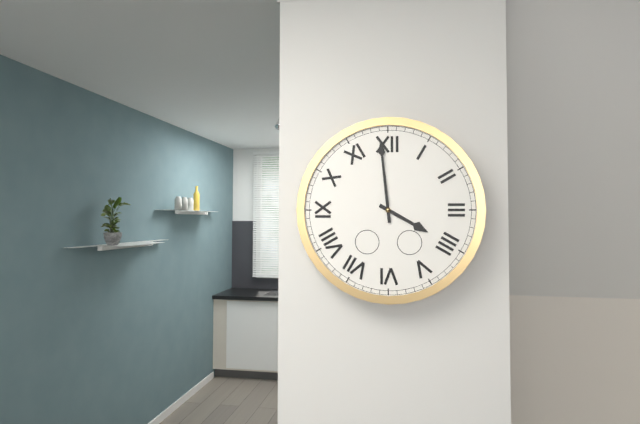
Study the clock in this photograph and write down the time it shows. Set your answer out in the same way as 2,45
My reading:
3,59
